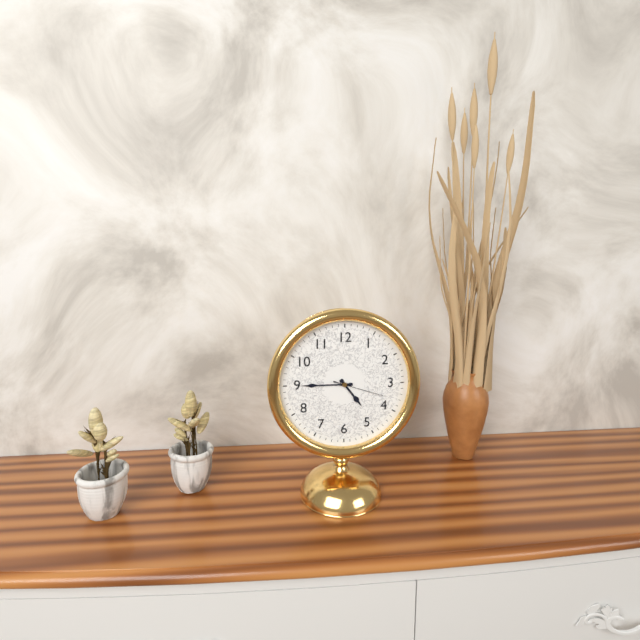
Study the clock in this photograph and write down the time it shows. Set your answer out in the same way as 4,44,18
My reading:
4,45,18
